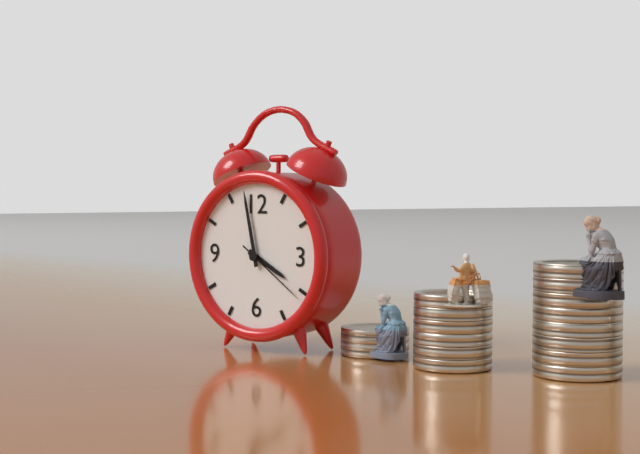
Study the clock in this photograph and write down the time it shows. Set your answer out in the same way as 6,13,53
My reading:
3,58,21
